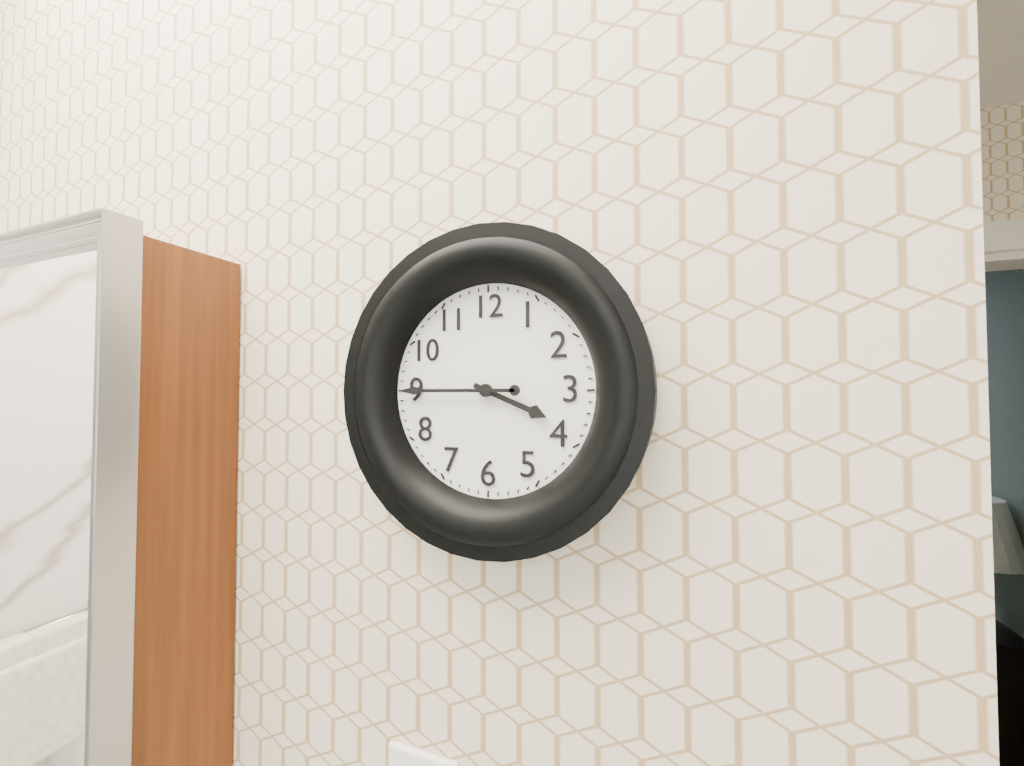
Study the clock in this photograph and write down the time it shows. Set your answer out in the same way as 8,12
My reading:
3,45
